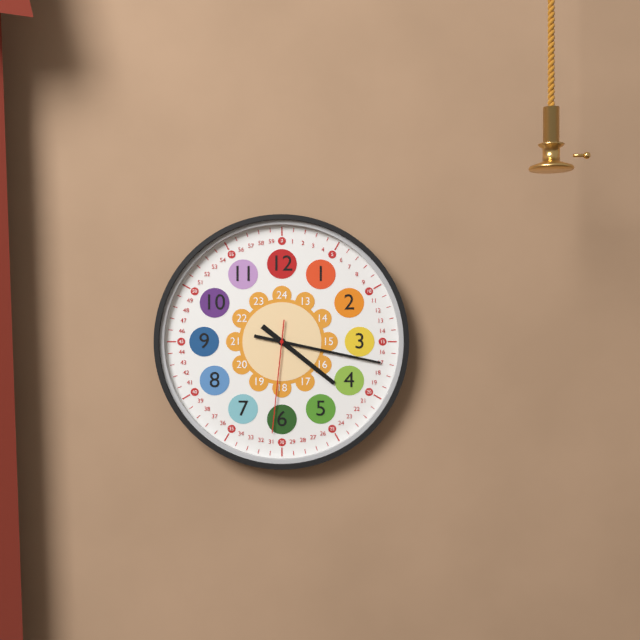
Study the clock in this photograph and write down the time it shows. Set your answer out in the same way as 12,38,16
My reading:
4,17,31
